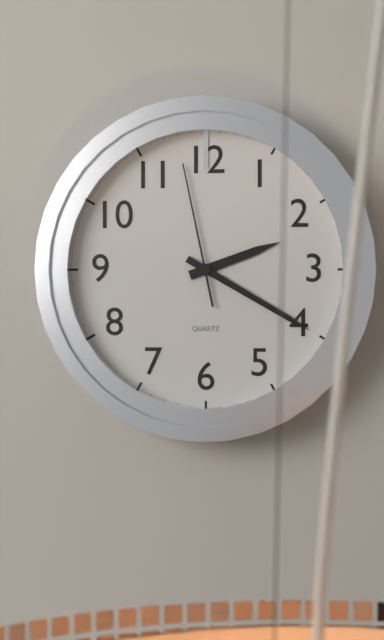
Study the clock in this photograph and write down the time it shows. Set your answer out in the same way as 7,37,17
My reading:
2,20,58
